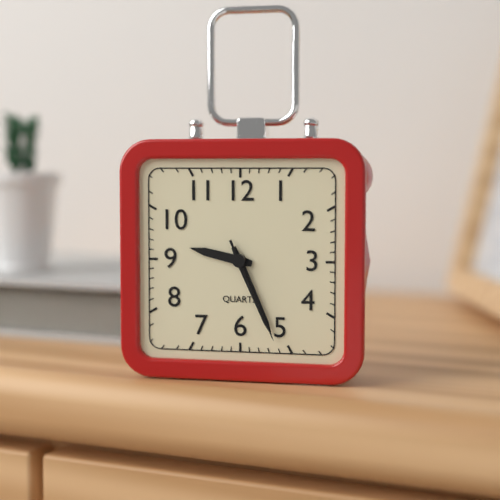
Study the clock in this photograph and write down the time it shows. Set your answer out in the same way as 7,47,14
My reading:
9,26,26
